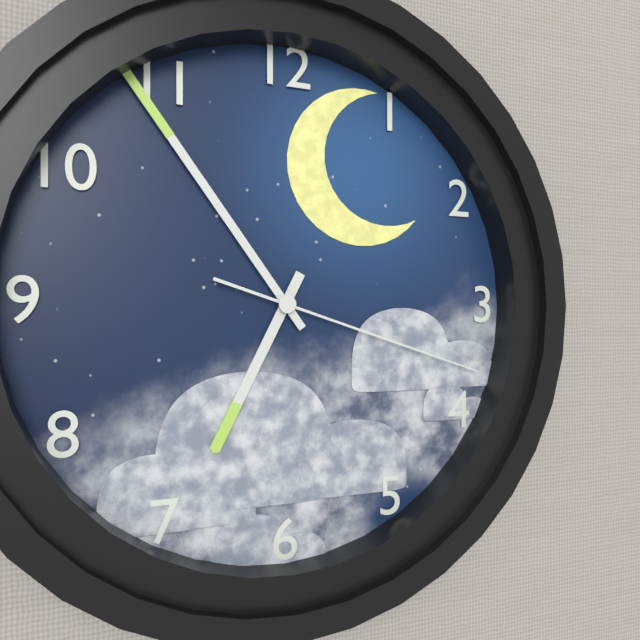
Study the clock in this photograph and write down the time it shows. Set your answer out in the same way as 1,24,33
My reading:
6,54,18
